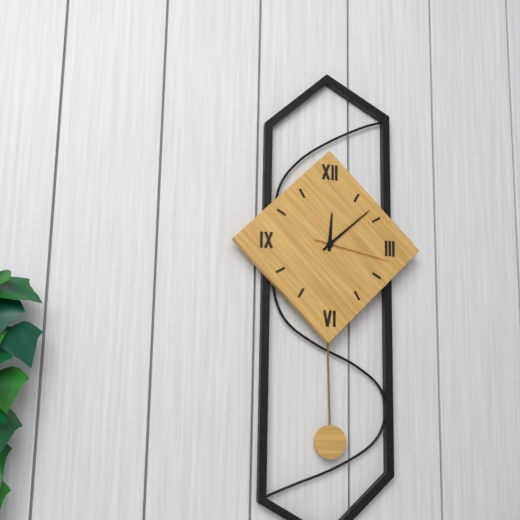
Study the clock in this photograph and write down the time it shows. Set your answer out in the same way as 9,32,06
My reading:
12,08,17
